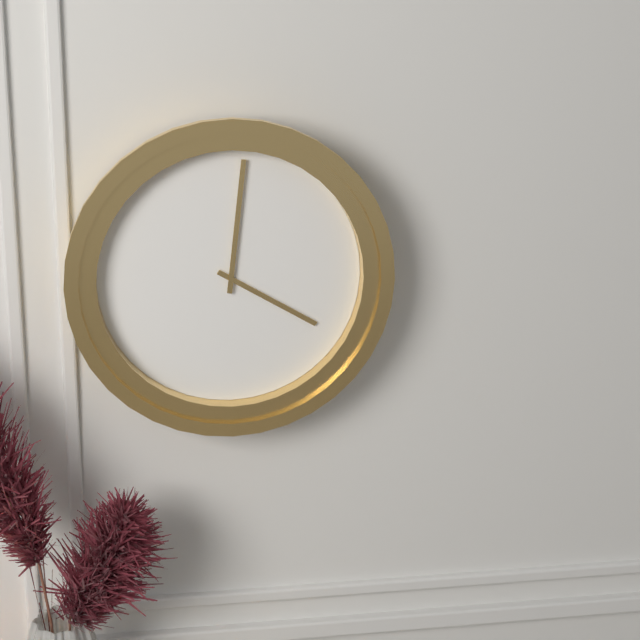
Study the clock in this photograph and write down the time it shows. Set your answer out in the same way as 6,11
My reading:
4,01
